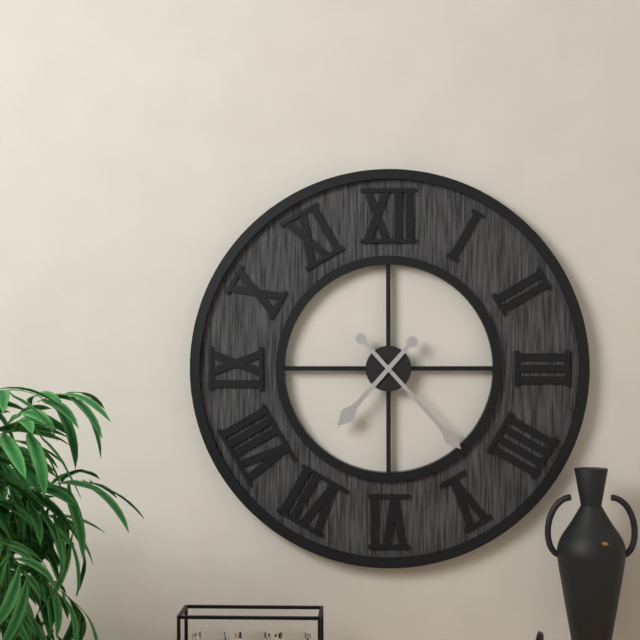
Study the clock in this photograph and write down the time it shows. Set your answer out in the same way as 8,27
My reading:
7,23
